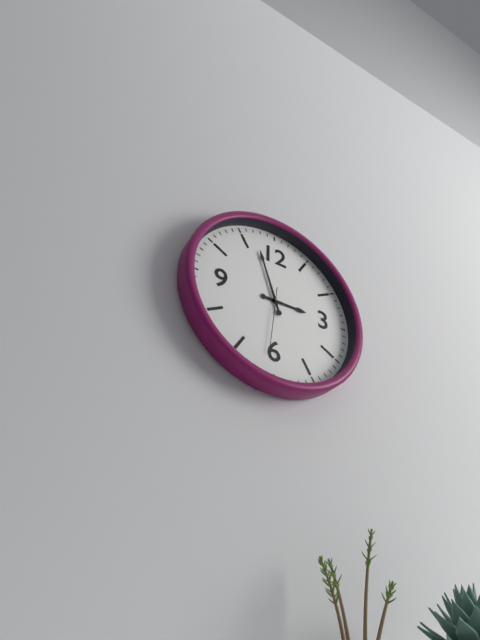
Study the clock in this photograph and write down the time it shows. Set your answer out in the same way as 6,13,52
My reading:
2,57,31
